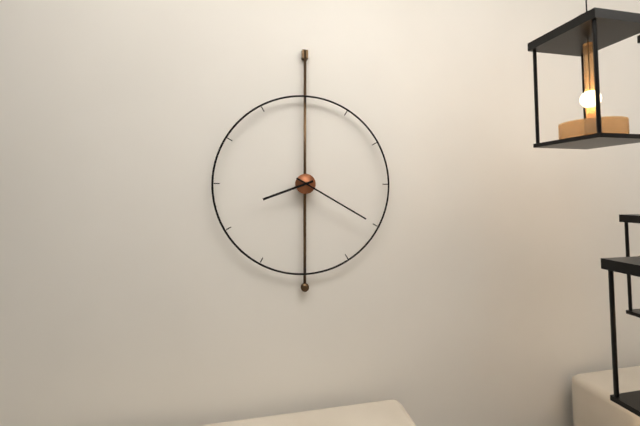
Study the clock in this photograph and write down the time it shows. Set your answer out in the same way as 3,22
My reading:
8,20
